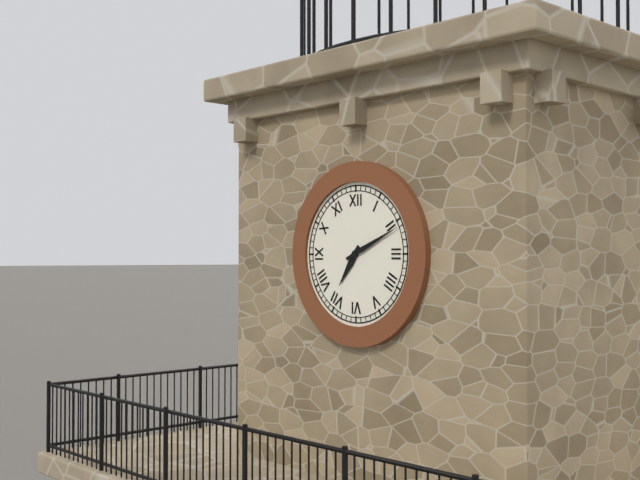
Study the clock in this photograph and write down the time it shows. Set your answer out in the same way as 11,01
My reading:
7,11
